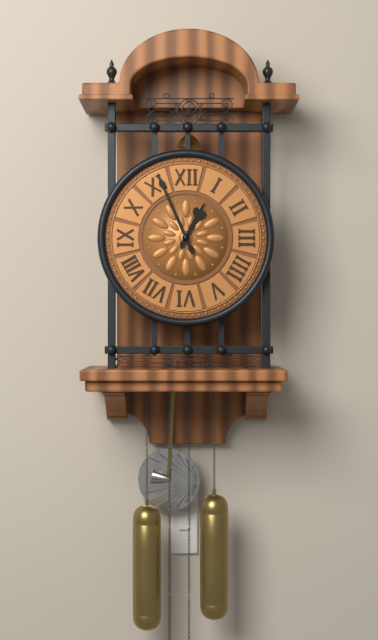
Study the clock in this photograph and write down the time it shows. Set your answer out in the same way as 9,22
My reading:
12,56
